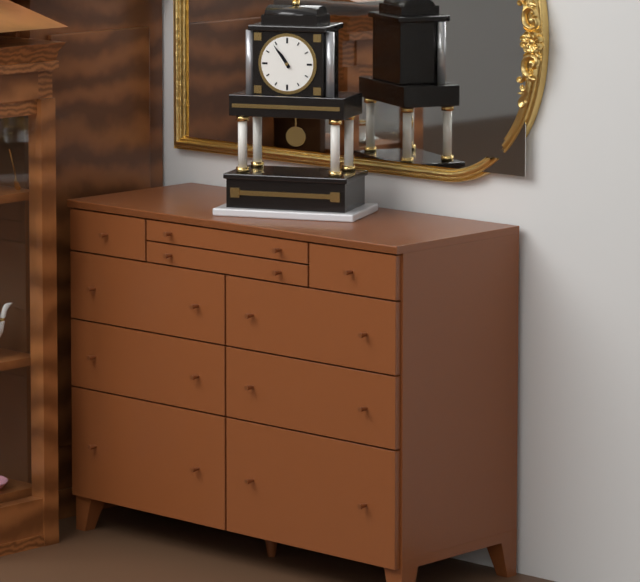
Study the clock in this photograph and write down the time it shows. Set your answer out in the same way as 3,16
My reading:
10,54
